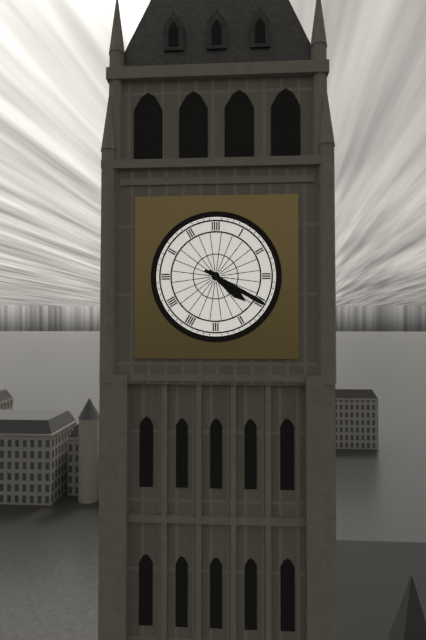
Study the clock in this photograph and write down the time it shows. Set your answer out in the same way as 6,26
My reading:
4,20
